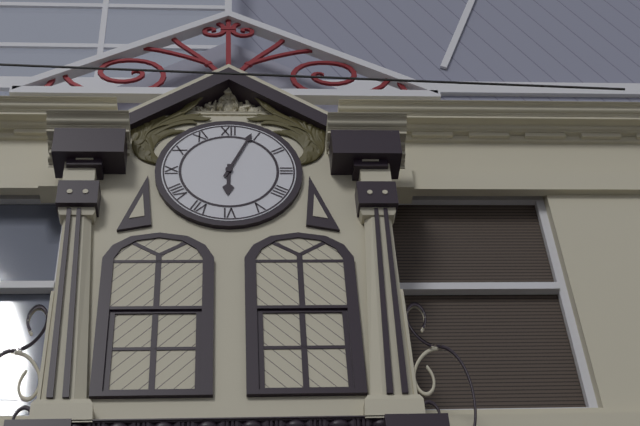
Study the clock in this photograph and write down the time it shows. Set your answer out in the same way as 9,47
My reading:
6,04
